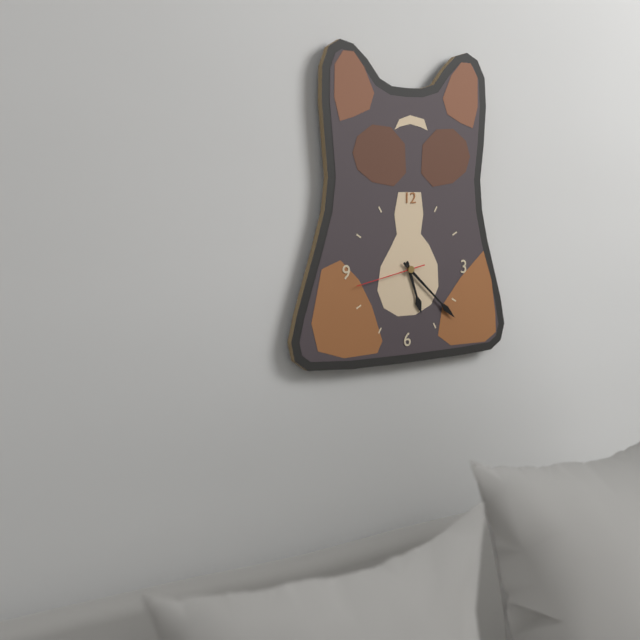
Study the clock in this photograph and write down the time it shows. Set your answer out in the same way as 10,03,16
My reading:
5,22,43
